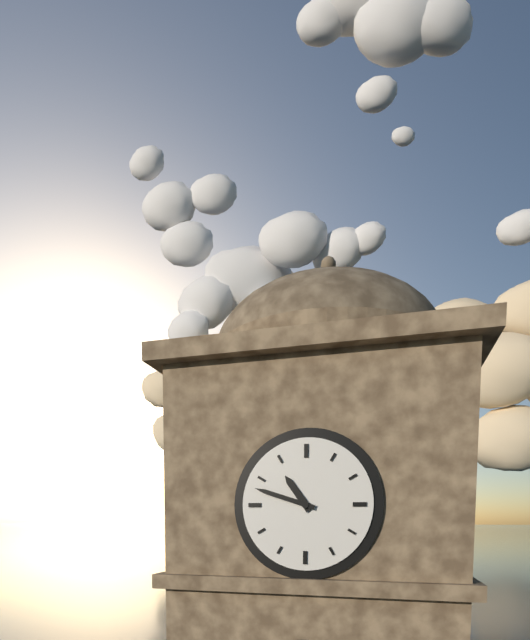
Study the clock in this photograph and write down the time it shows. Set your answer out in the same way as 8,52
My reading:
10,48
